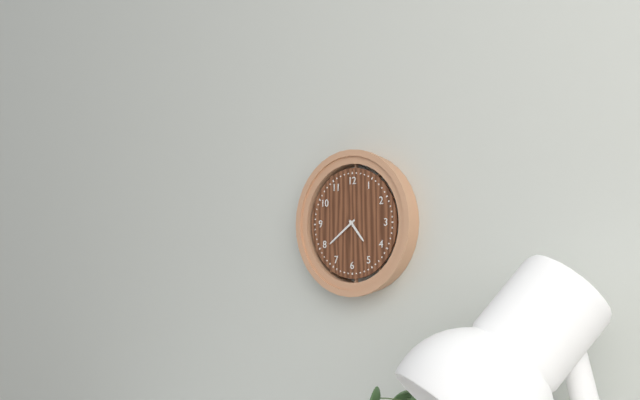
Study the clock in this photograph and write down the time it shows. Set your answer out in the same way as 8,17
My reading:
4,39
